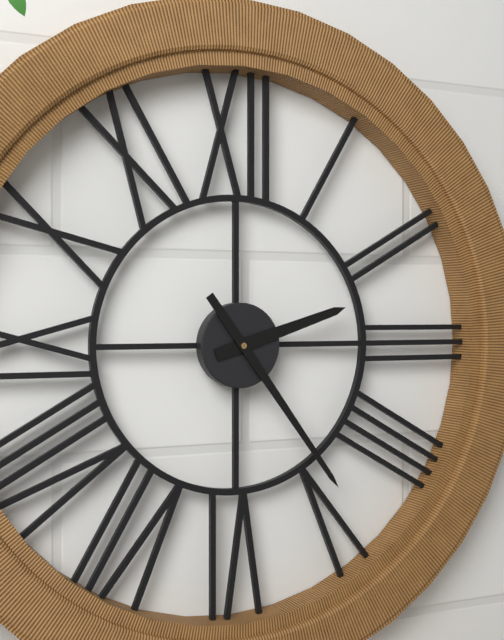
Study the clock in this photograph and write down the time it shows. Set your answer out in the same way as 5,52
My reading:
2,24
